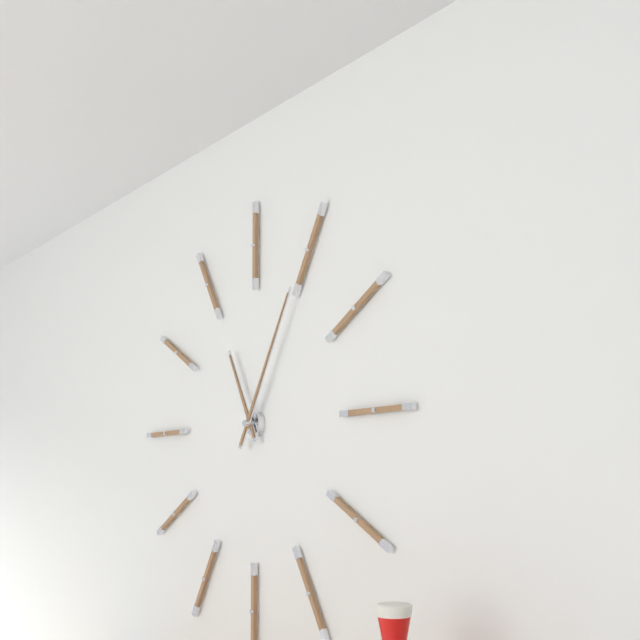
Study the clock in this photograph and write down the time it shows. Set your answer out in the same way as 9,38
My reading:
11,05
